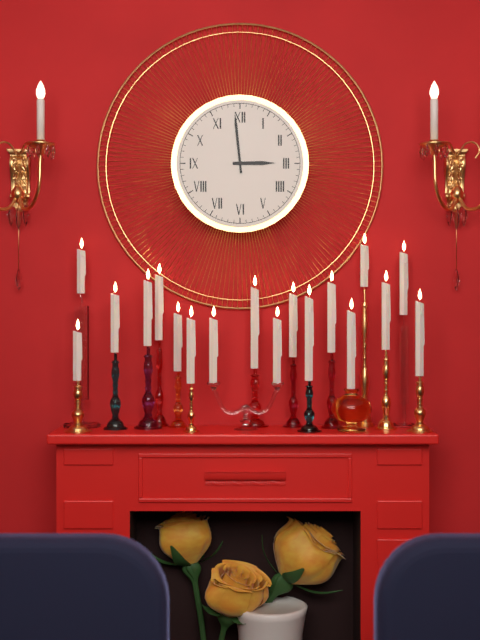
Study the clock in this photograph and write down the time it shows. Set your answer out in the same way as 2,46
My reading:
2,59
